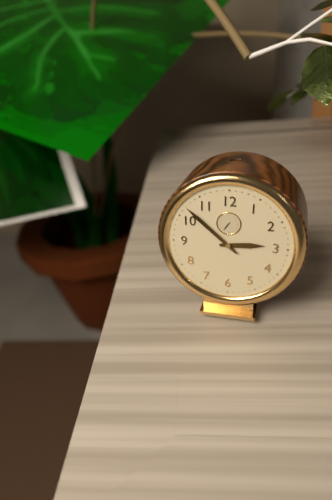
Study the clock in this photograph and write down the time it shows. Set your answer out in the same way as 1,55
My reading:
2,52
